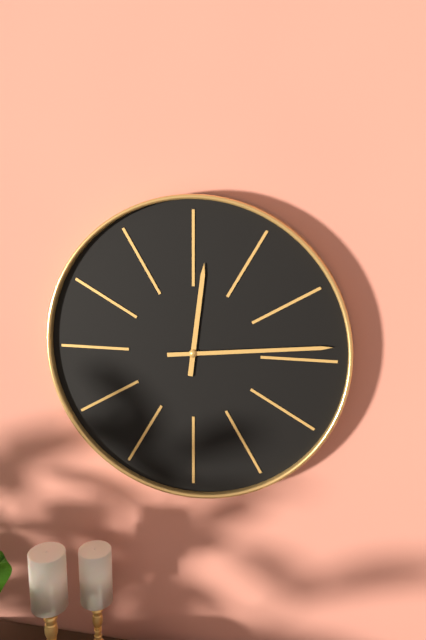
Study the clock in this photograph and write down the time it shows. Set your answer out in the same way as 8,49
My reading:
12,14
